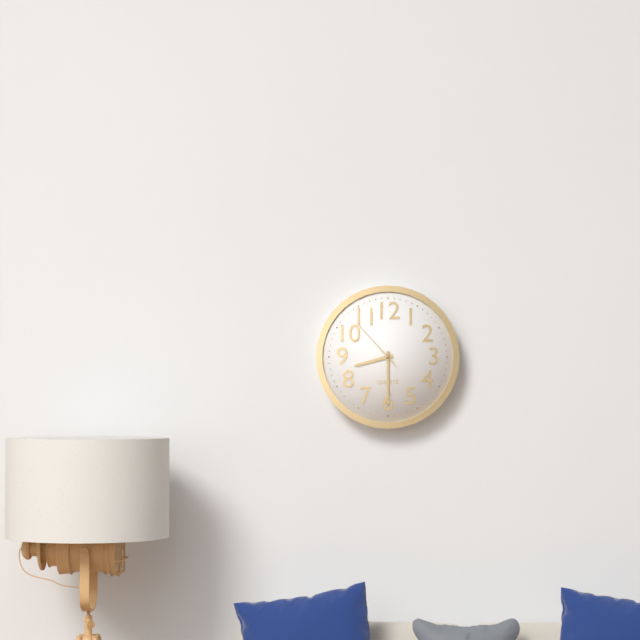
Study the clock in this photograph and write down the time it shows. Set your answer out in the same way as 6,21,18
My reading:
8,30,53
